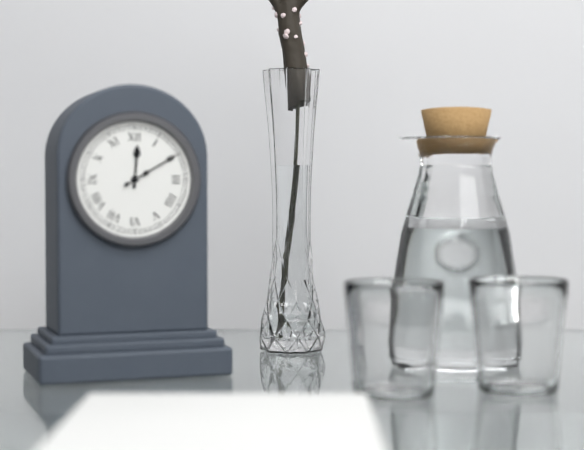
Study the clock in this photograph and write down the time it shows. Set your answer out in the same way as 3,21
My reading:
12,10
